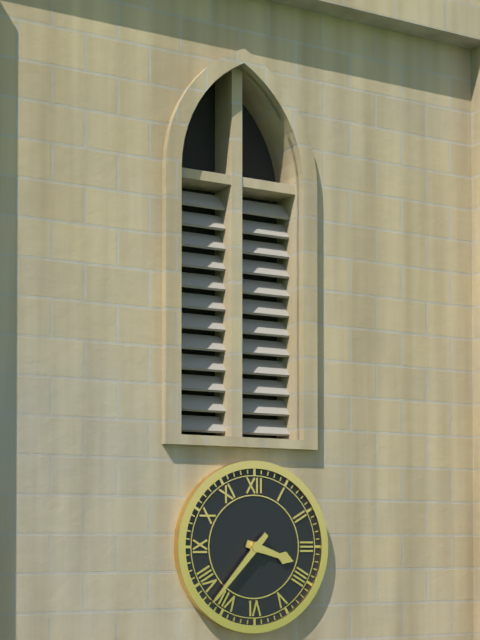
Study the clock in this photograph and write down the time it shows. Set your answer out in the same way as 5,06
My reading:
3,37
